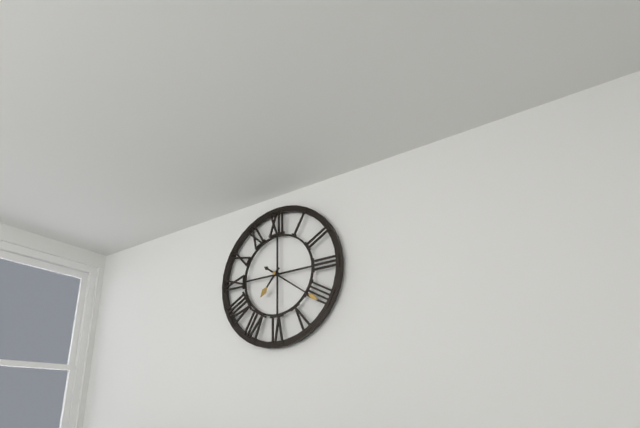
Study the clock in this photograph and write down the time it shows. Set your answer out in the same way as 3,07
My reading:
7,21
